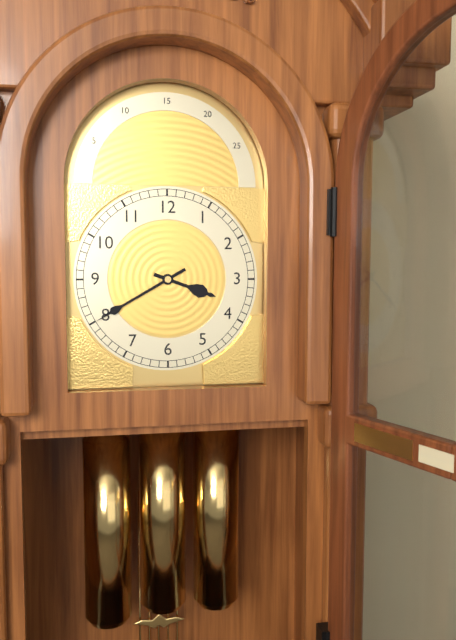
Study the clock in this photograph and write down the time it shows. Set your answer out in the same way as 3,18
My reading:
3,40
